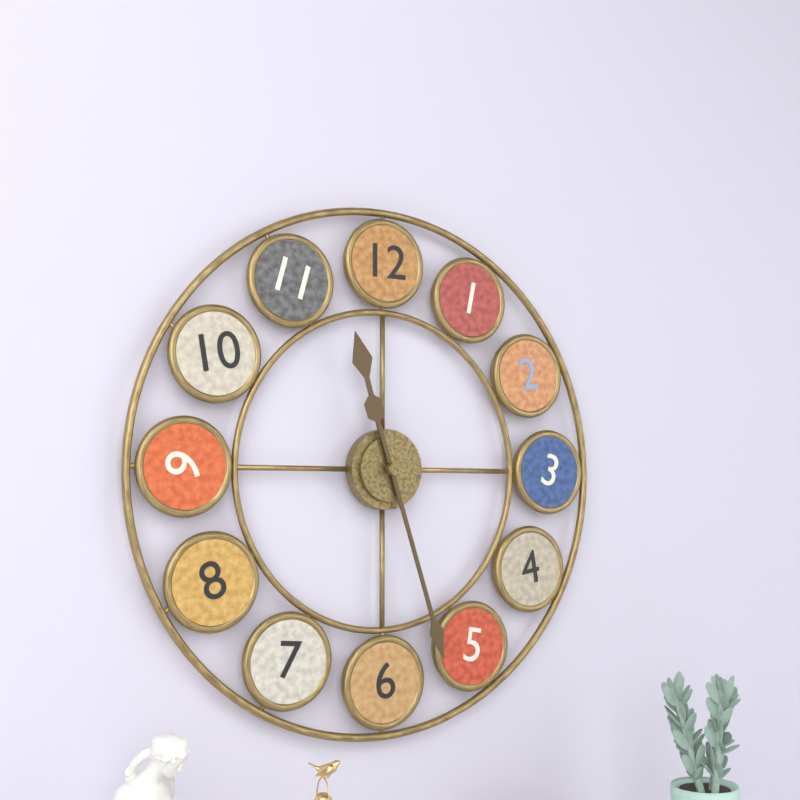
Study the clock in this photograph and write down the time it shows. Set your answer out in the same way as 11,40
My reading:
11,27
